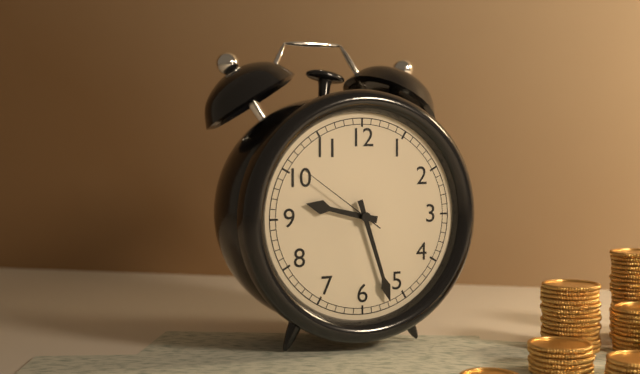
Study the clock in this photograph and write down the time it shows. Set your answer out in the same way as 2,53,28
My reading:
9,27,51
